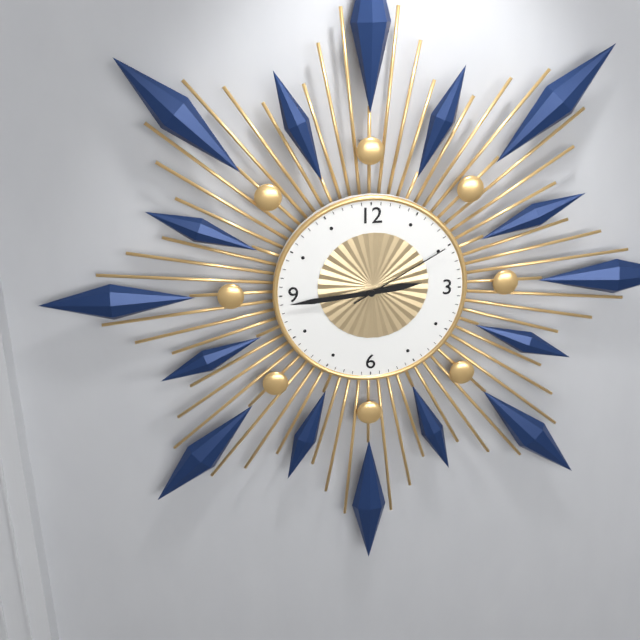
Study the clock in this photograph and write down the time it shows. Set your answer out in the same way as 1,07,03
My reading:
2,44,10
